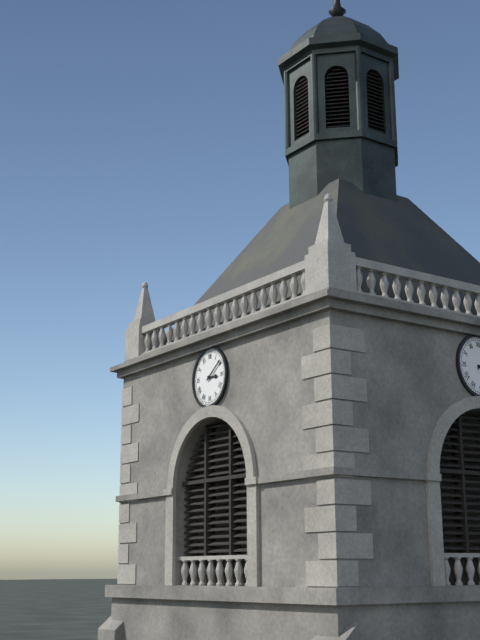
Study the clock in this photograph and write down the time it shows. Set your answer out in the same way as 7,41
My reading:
3,09
